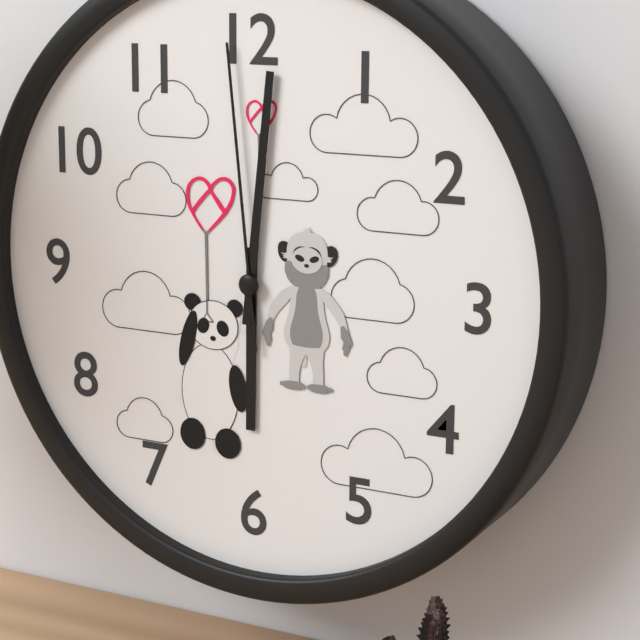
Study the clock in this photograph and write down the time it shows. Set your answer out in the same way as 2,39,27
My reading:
6,01,59
